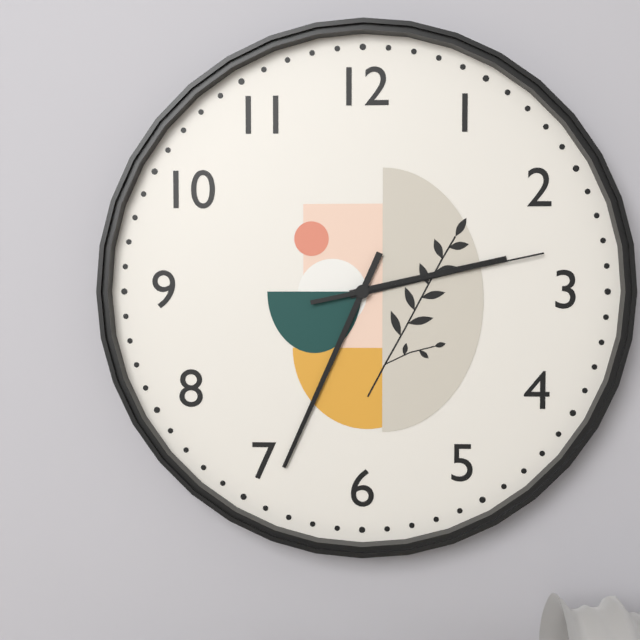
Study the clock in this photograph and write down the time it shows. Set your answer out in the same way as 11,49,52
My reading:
2,34,13
